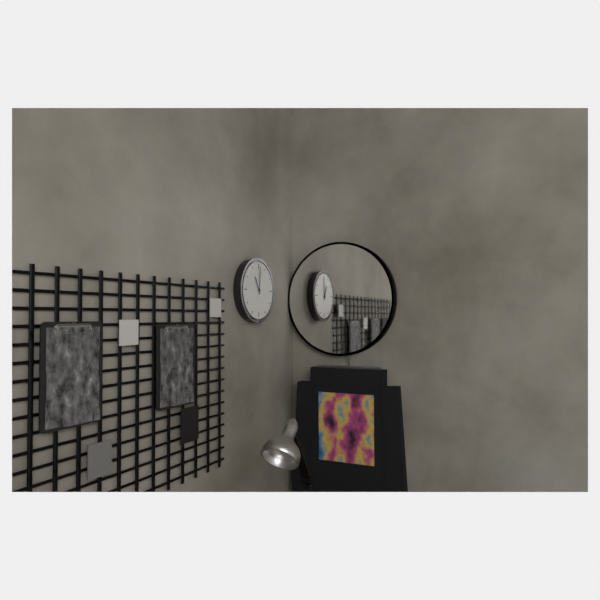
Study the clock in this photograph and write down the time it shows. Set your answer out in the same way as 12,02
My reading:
11,01
